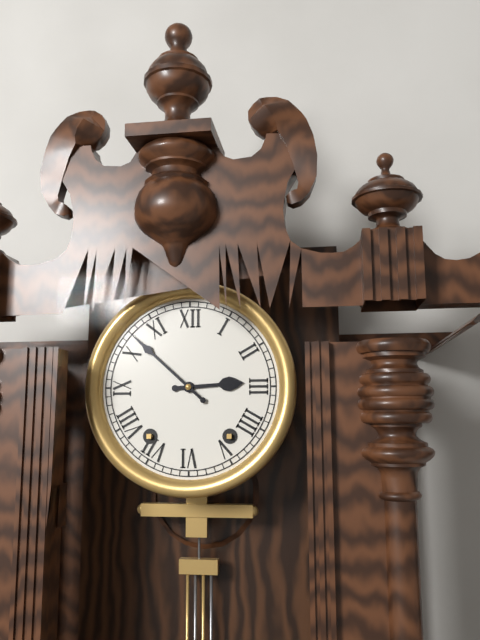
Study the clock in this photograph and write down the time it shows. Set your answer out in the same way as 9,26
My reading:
2,52
